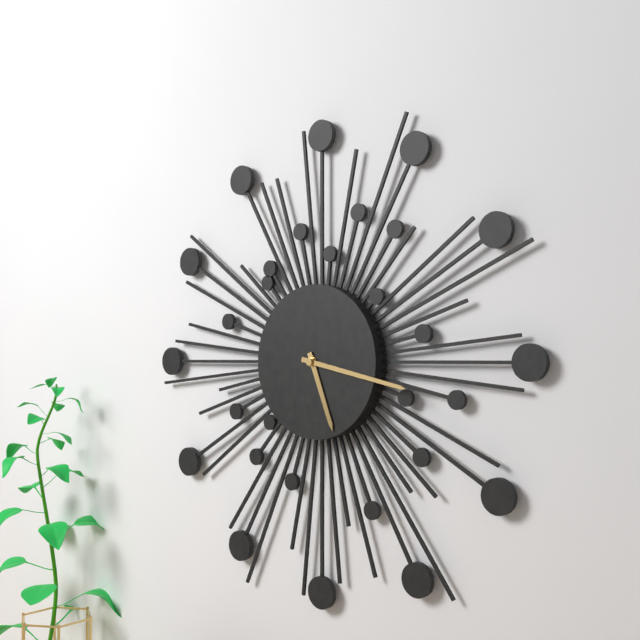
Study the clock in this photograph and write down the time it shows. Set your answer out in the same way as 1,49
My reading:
5,17
